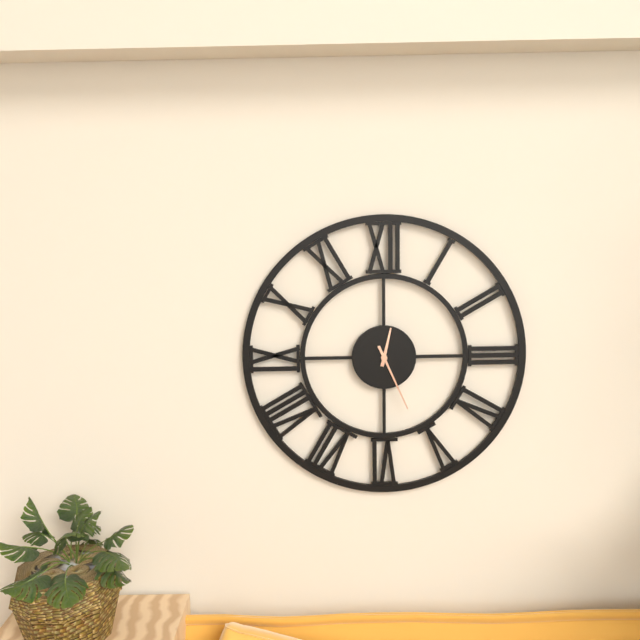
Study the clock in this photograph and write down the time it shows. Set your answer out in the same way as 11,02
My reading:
12,26
